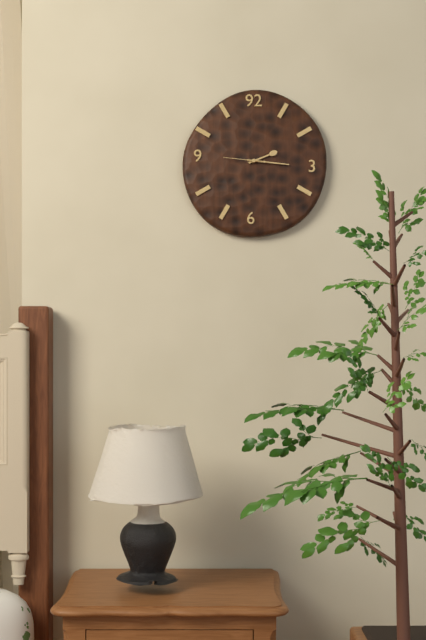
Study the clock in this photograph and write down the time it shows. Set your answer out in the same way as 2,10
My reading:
2,16
